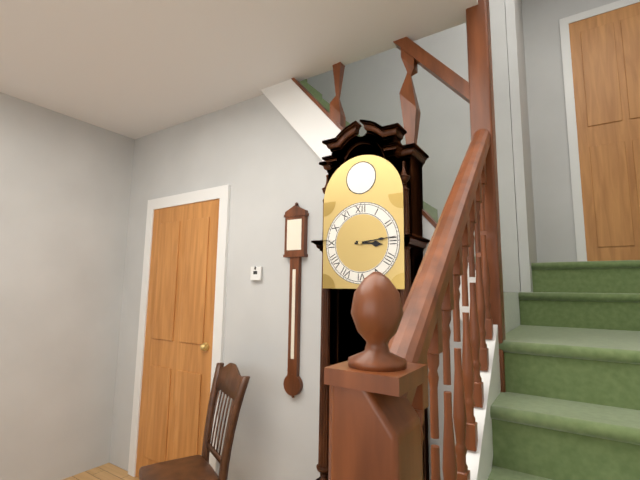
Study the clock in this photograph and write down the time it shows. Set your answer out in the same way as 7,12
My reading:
3,14
